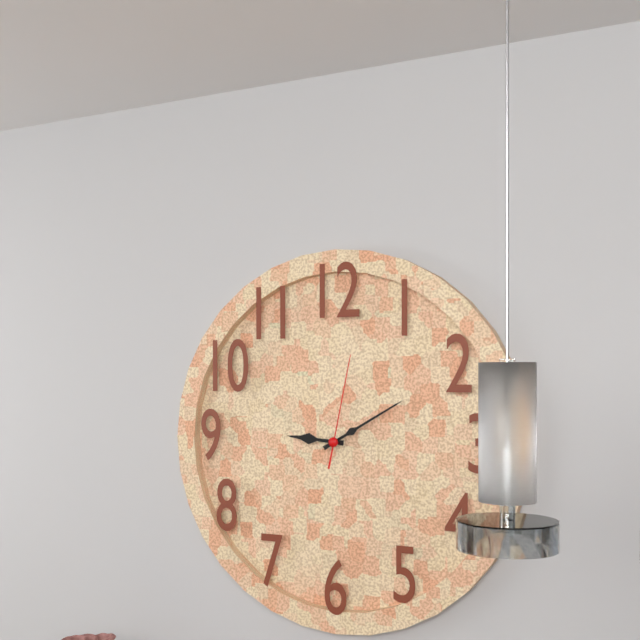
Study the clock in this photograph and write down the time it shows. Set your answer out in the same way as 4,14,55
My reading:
9,10,02
